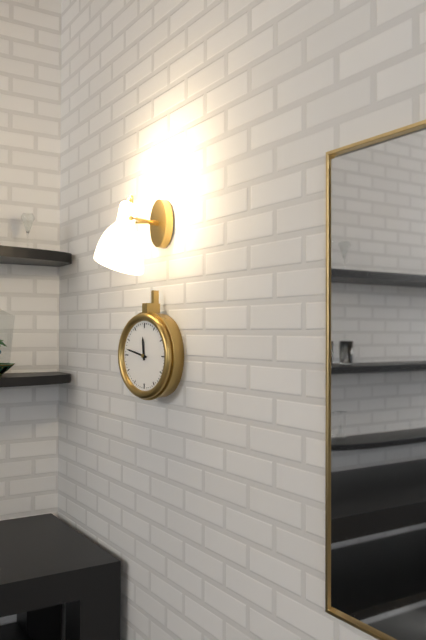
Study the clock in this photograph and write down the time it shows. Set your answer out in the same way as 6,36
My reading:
11,47
